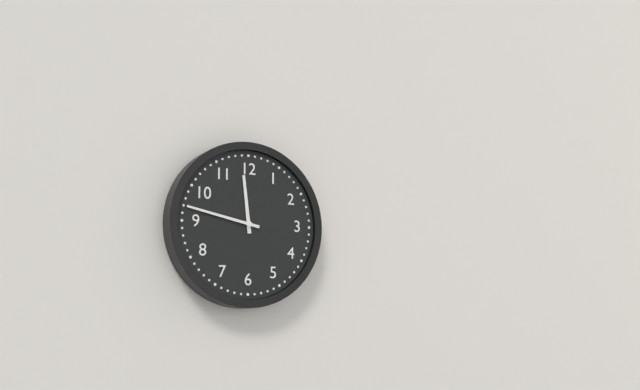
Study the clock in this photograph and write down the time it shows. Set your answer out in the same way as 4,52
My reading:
11,47
